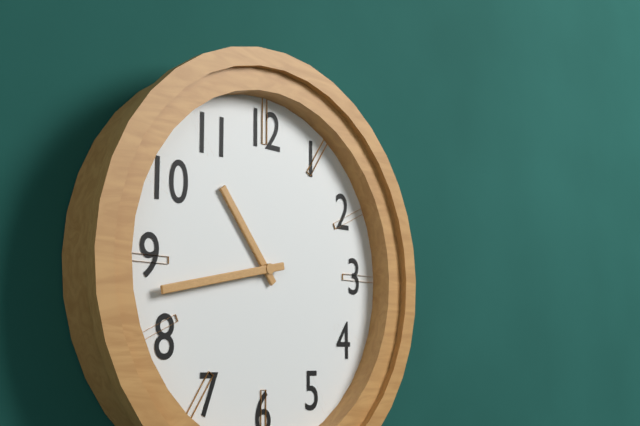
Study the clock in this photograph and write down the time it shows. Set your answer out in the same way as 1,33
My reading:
10,43
